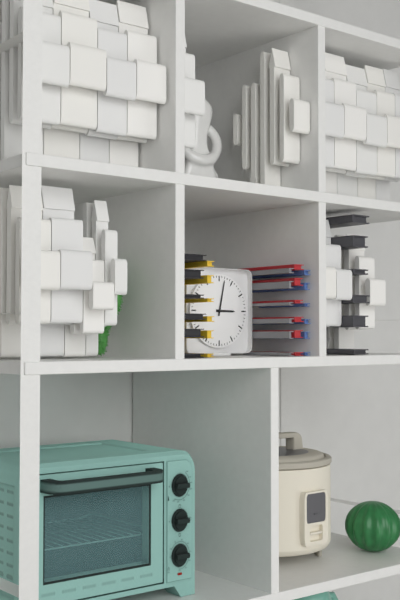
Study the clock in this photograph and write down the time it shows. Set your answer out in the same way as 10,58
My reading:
3,02
